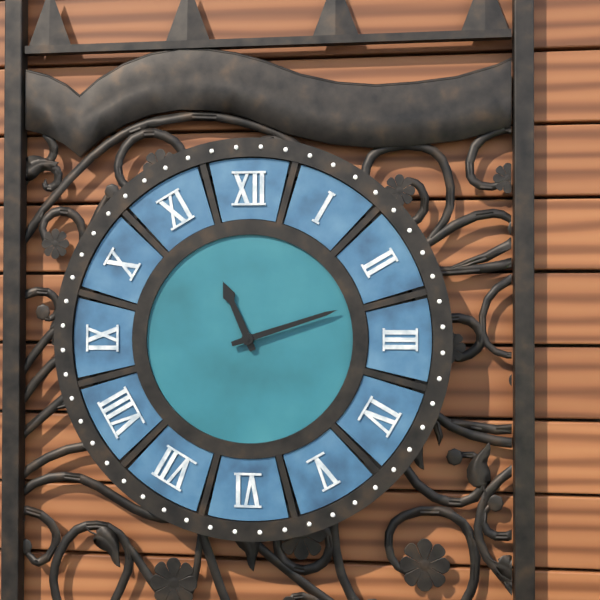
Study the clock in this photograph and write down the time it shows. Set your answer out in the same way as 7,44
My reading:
11,12
